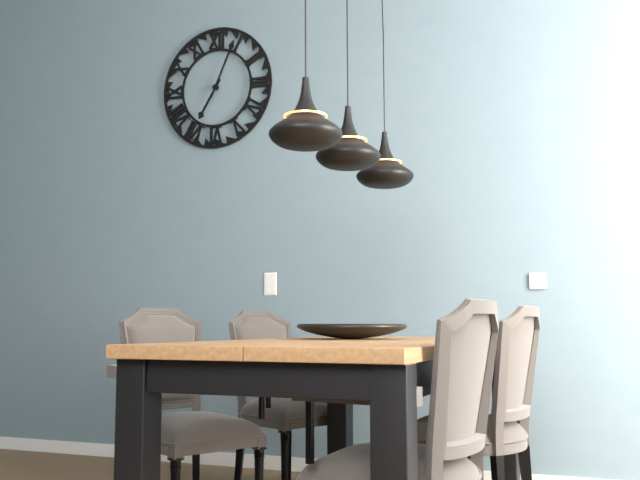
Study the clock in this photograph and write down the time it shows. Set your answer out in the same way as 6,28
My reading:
7,04
